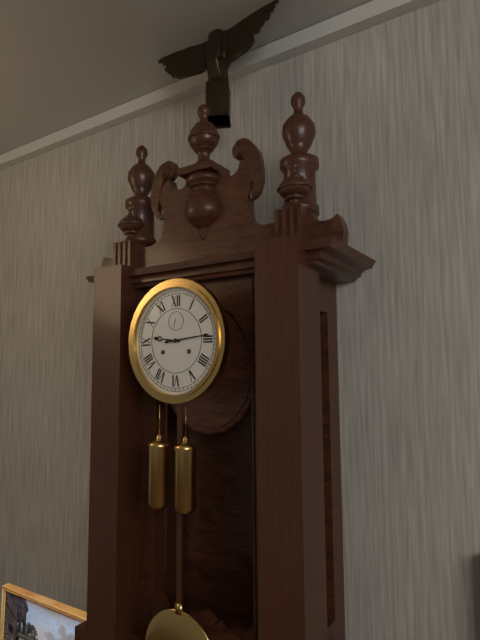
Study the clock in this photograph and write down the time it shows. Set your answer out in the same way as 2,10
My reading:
9,14
